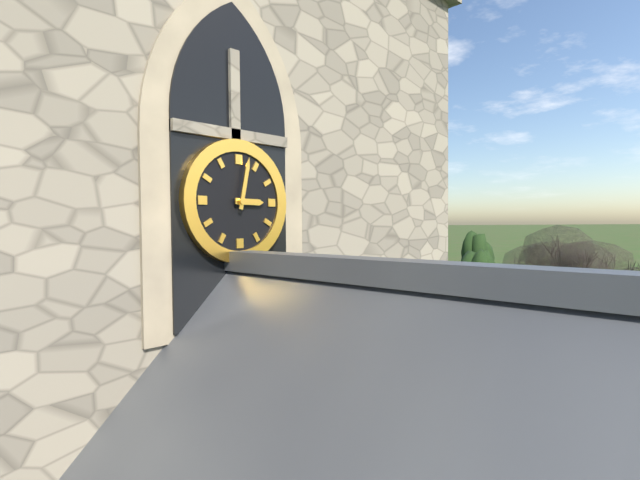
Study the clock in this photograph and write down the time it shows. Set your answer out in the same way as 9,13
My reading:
3,02
